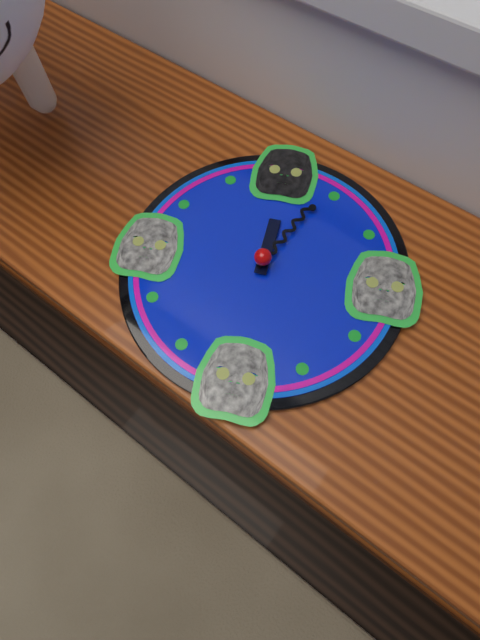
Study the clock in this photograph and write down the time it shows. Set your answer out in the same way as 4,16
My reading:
12,04
